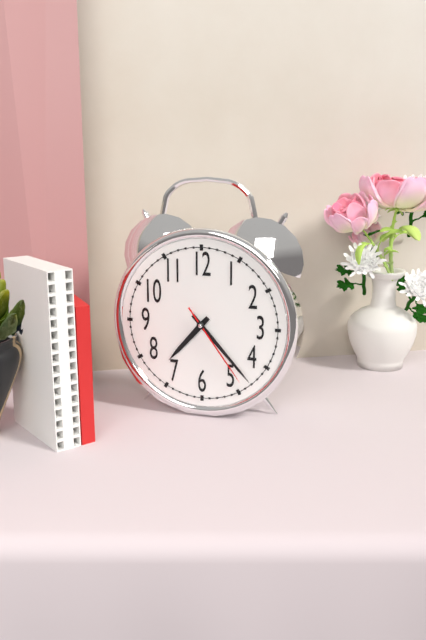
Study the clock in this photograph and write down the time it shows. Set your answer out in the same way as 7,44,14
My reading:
7,23,24
